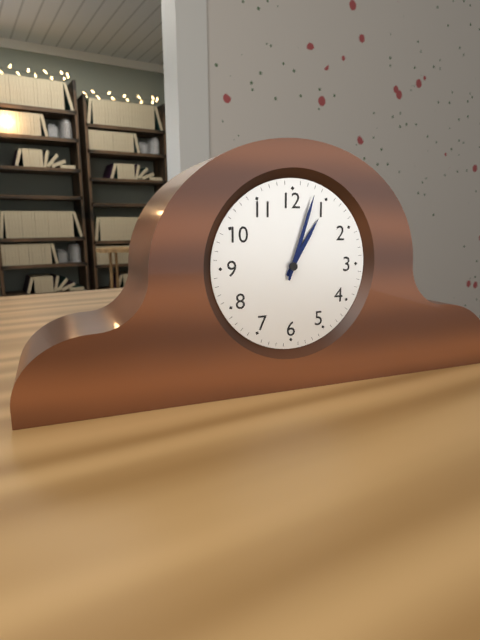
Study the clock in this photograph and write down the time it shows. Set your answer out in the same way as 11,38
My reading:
1,03
